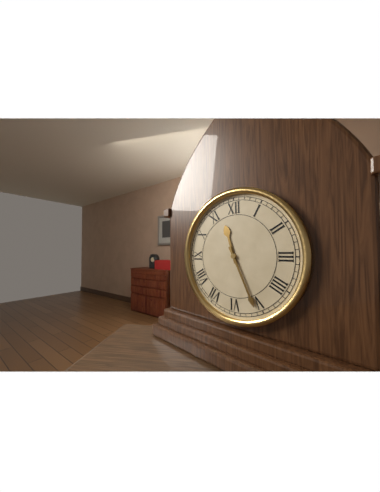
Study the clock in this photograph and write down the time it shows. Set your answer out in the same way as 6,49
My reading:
11,26
